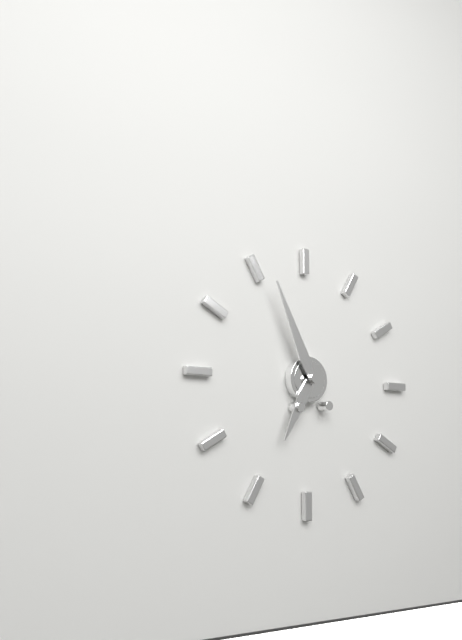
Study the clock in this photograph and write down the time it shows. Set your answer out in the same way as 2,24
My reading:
6,56
